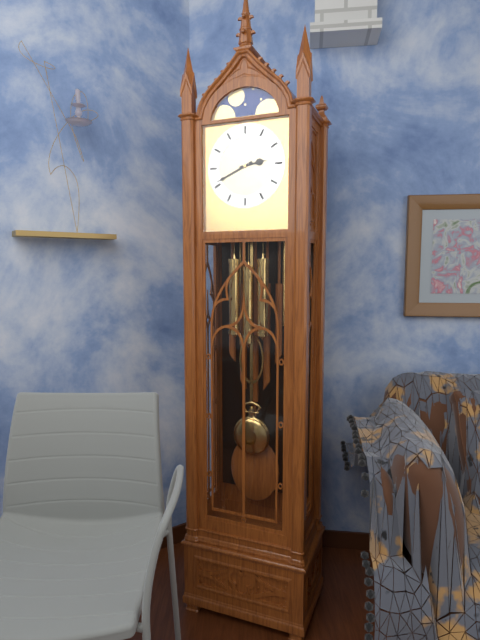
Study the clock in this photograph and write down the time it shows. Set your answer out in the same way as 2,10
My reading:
2,41
